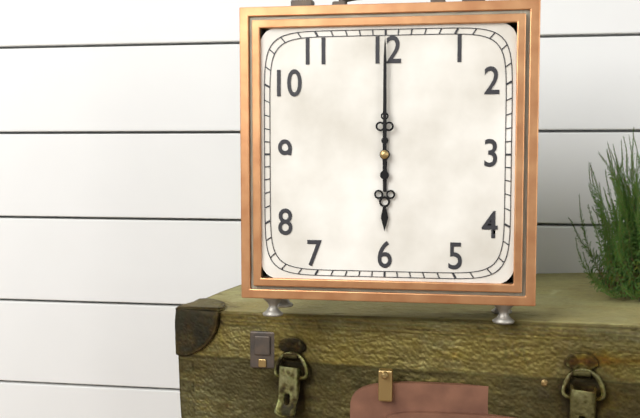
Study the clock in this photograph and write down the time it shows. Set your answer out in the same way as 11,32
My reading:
6,00
